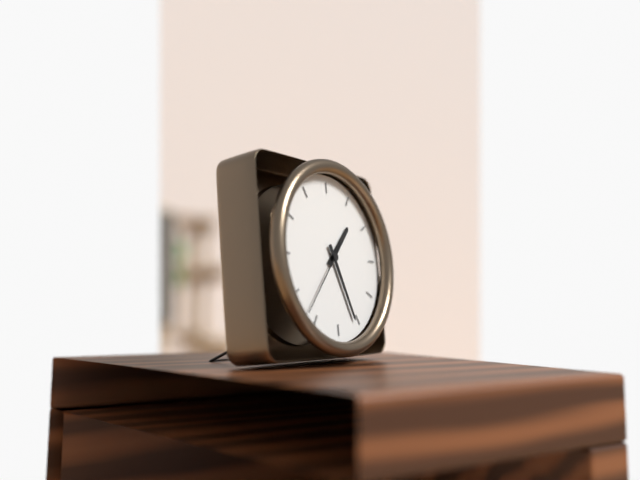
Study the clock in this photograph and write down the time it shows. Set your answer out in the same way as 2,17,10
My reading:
1,26,37
